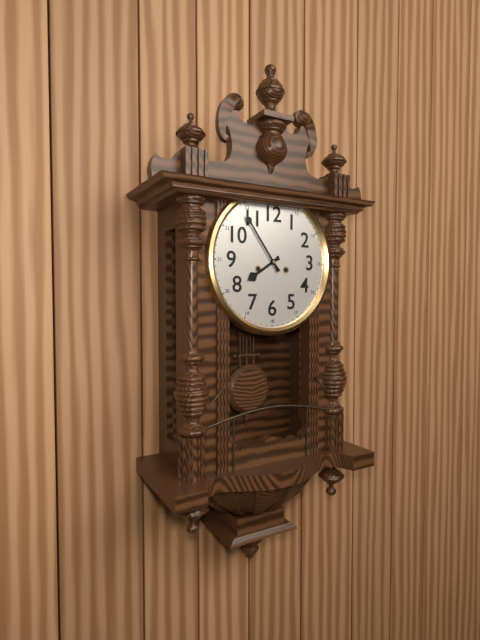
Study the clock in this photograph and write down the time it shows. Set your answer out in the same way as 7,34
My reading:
7,54
